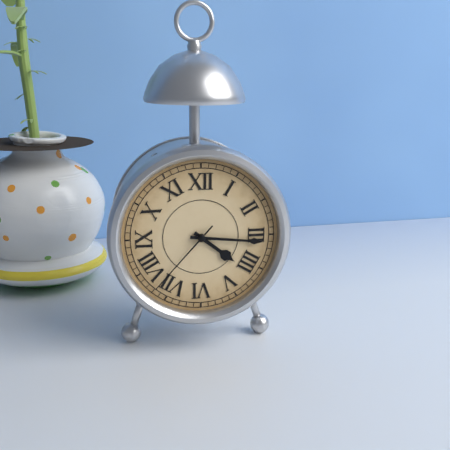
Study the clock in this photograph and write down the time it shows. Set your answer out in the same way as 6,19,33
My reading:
4,16,37
